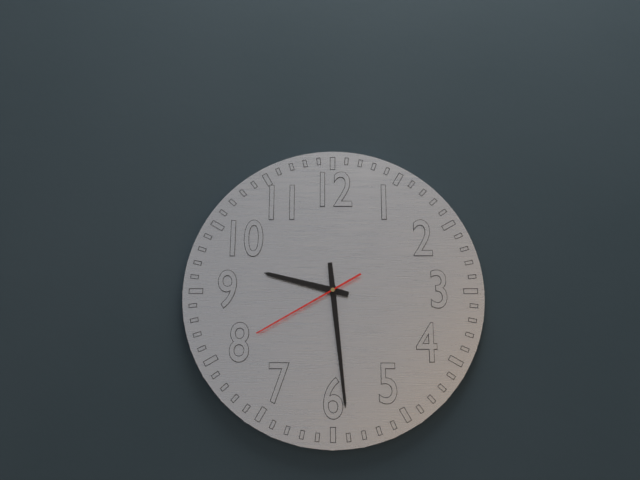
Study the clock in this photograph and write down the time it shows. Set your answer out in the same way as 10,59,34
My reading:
9,29,40
